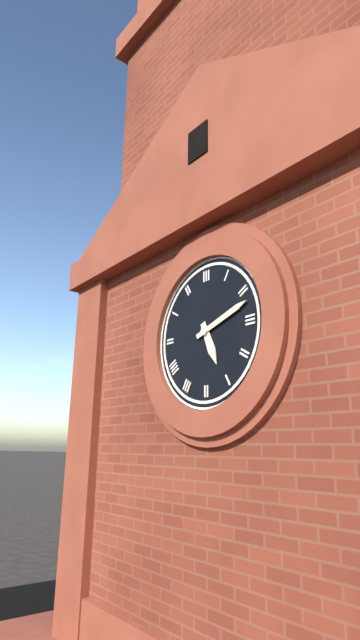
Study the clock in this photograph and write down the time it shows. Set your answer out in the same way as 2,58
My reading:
5,12
